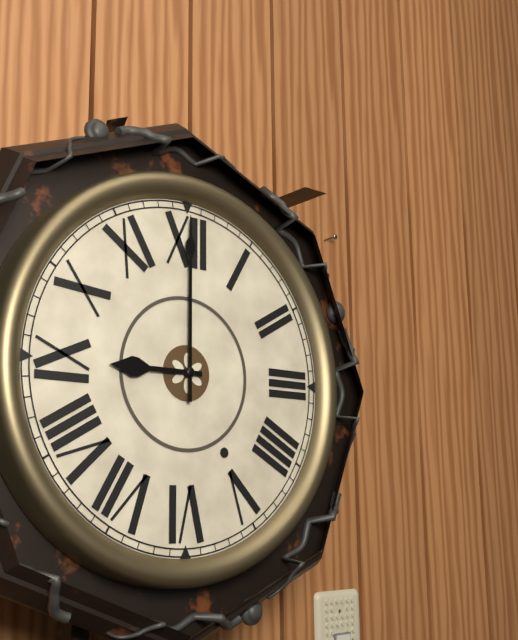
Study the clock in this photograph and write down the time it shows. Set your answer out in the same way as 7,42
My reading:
9,00
